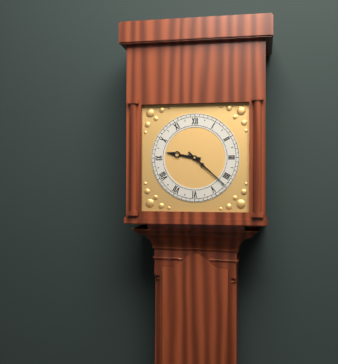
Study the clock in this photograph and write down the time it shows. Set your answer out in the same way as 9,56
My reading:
9,22
